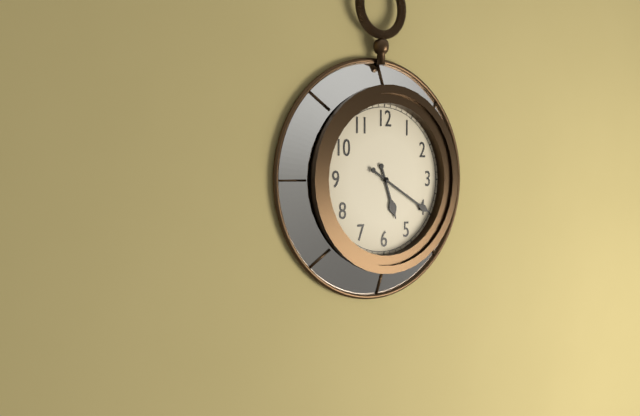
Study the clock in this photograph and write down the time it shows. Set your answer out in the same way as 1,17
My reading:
5,20
